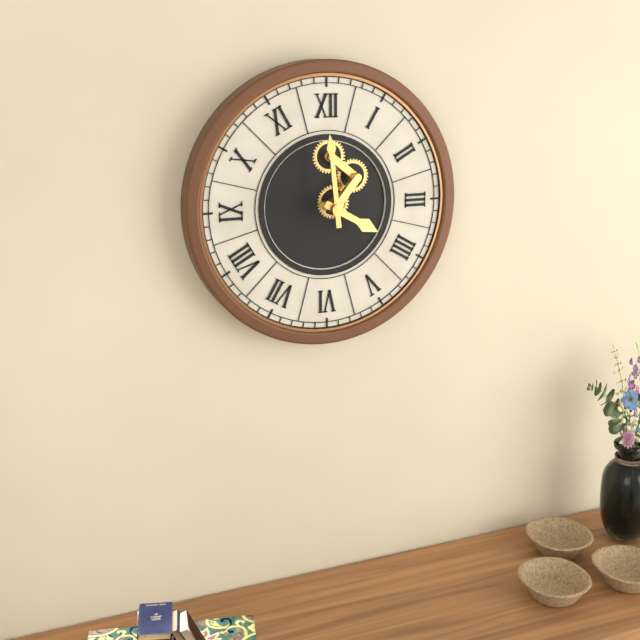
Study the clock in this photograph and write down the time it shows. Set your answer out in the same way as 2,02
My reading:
3,59
